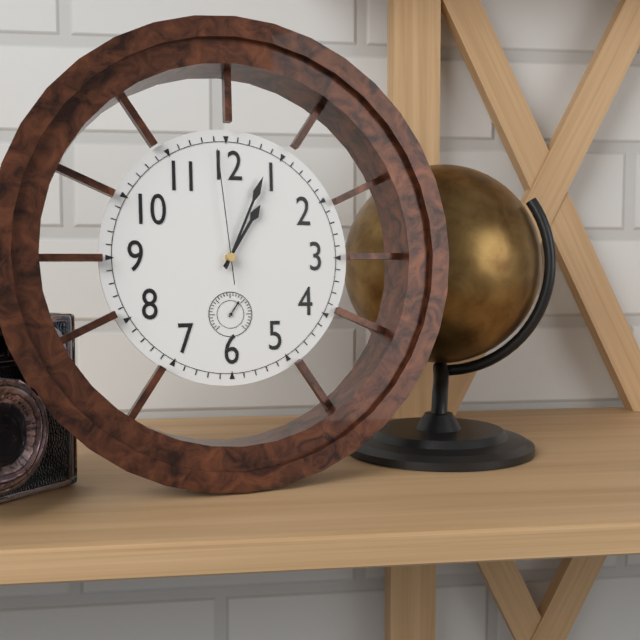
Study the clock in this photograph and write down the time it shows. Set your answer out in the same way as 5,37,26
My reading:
1,04,59
